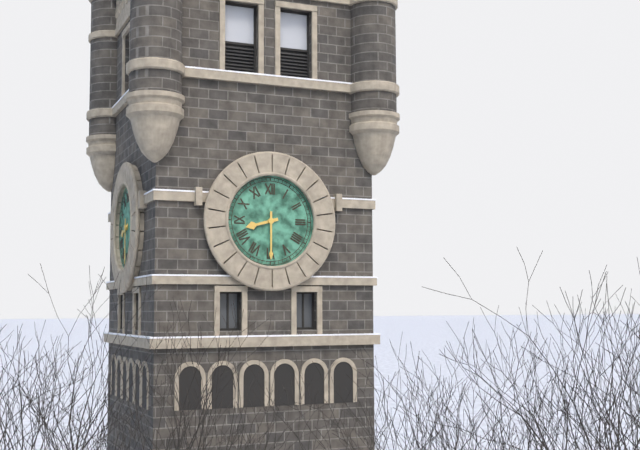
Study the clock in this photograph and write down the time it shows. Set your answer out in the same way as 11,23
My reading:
8,30
